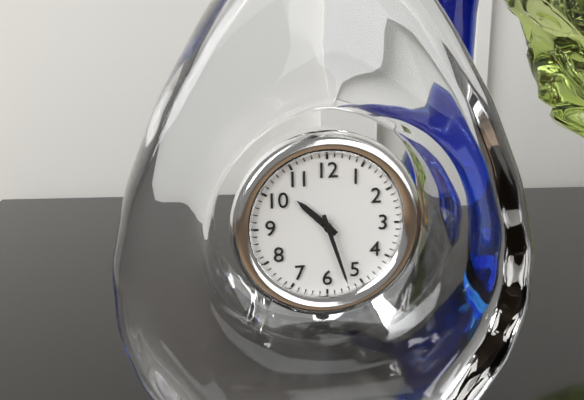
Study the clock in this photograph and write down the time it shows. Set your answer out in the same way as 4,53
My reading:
10,27
